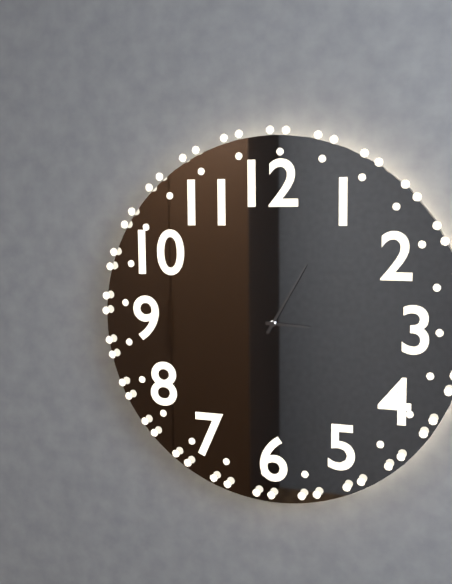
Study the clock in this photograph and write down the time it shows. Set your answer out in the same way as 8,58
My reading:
3,05
